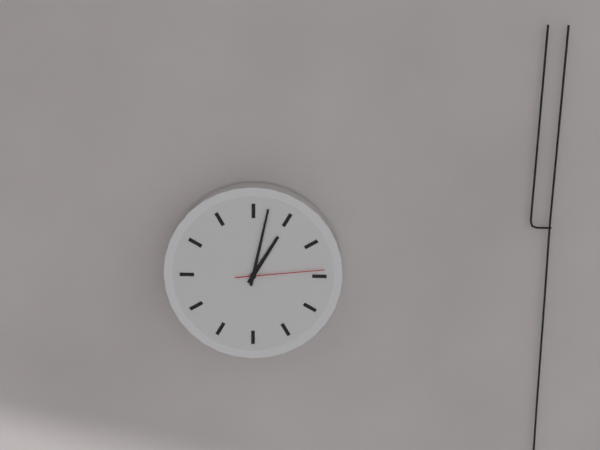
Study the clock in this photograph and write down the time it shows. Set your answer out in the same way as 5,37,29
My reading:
1,02,14
